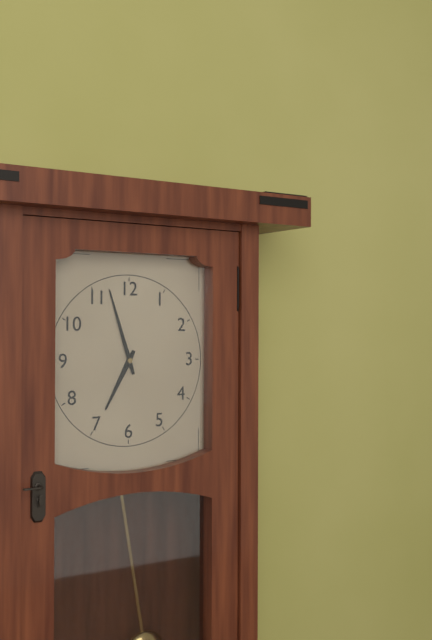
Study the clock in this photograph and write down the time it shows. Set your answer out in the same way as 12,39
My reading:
6,57
